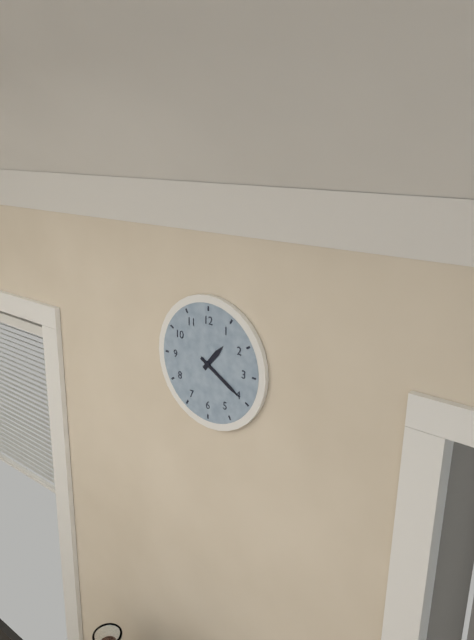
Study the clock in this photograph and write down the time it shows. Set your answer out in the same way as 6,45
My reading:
1,20
